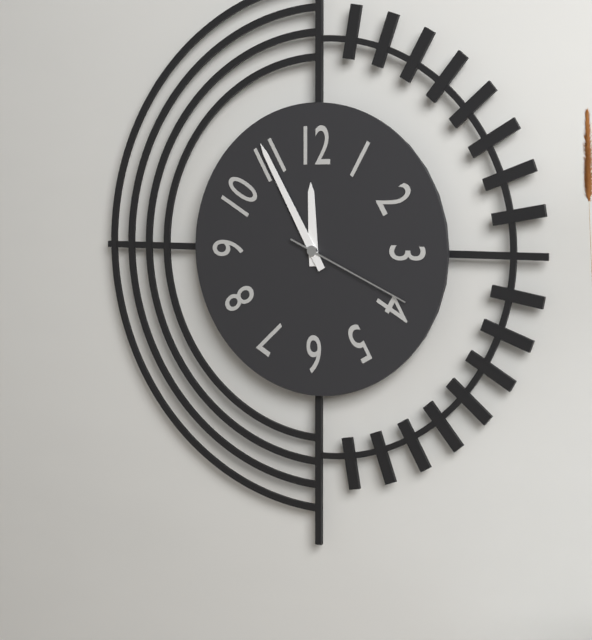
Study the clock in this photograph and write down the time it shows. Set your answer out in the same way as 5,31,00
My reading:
11,55,19
